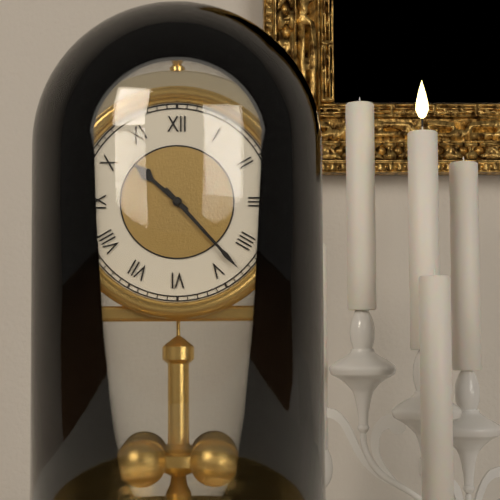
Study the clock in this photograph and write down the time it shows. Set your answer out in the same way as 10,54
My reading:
10,23
